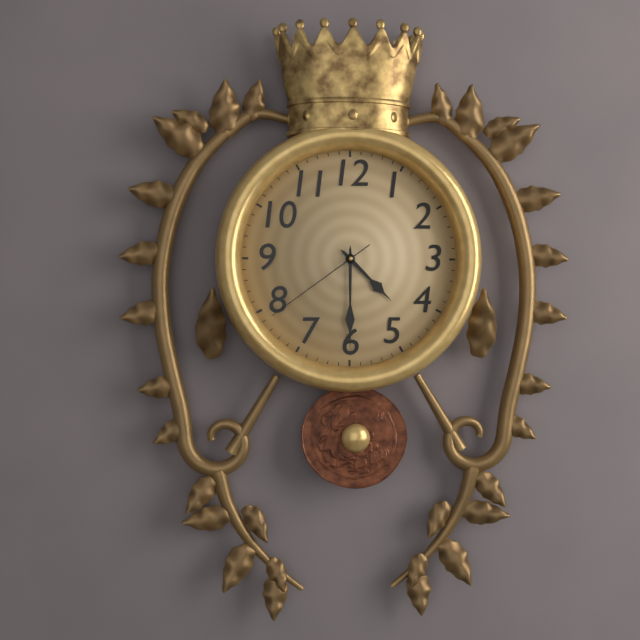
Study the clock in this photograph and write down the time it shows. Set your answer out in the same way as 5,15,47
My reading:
4,30,39
